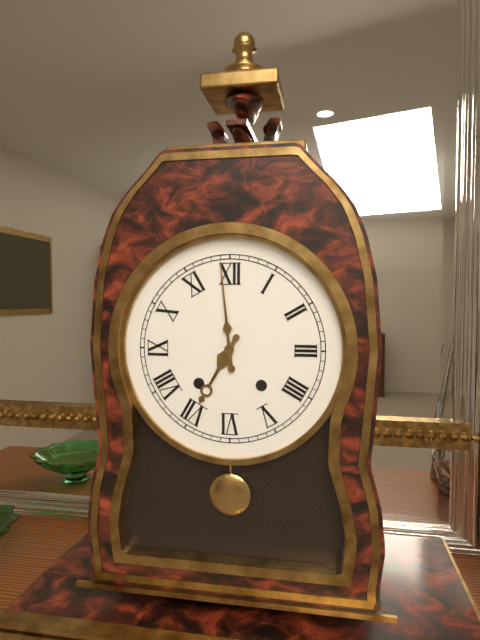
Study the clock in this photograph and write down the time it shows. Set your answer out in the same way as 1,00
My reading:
6,59
